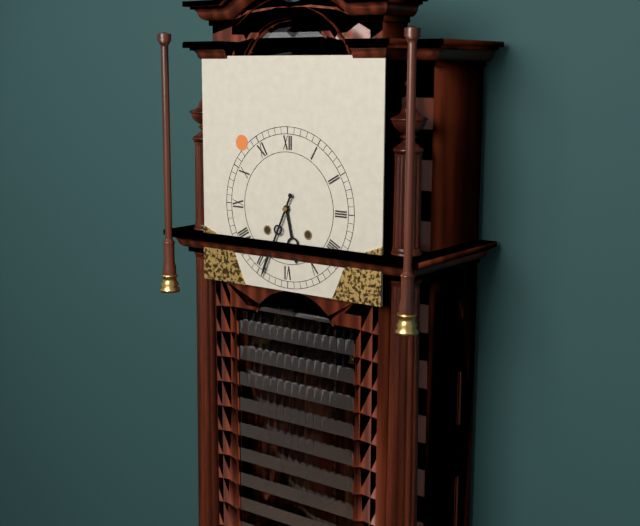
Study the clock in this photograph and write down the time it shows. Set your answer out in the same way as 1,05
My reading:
5,34
